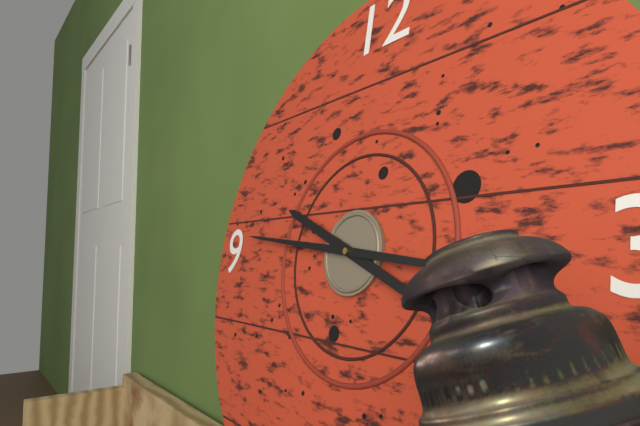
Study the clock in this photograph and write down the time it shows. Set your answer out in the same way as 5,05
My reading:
9,46
